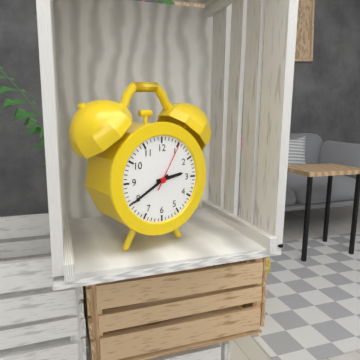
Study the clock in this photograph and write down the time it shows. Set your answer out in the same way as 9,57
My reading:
2,40
